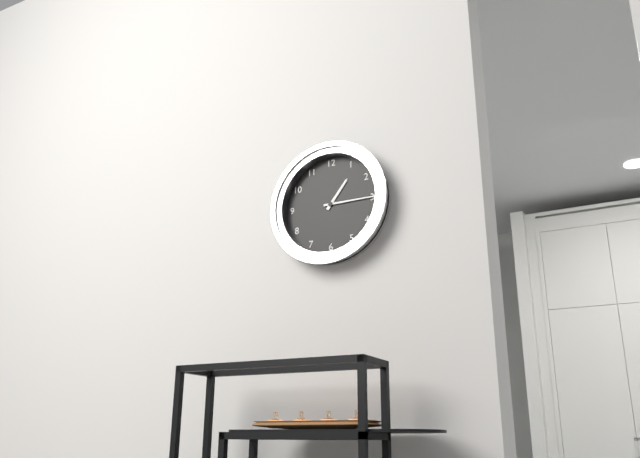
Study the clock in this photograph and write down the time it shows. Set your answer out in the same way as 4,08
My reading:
1,15
